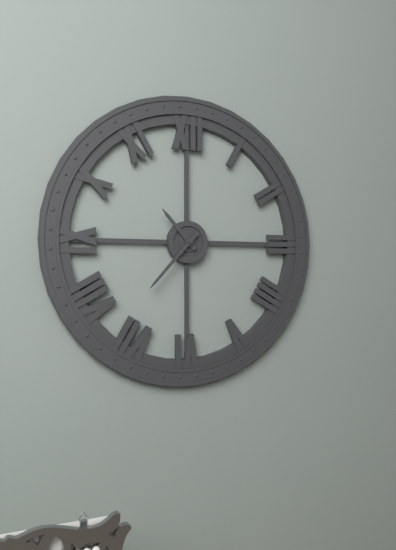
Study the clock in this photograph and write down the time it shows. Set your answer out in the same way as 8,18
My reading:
10,37
